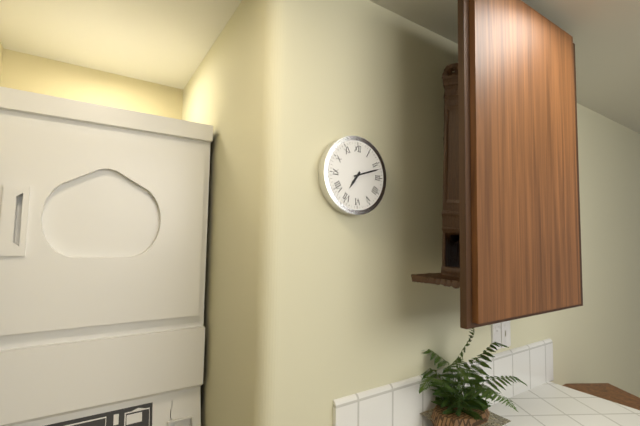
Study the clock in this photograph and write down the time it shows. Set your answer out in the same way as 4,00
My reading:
7,12
